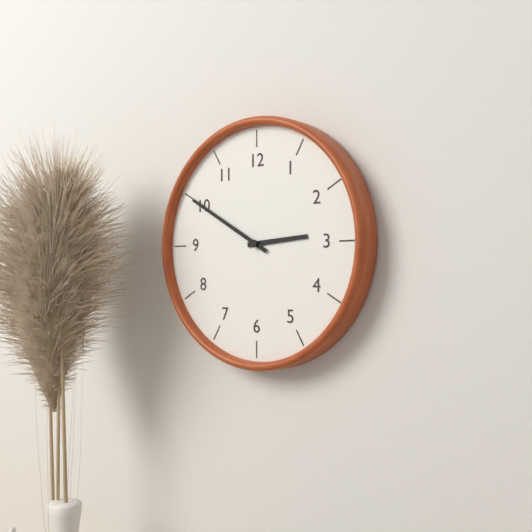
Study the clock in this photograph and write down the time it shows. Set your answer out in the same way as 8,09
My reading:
2,50
